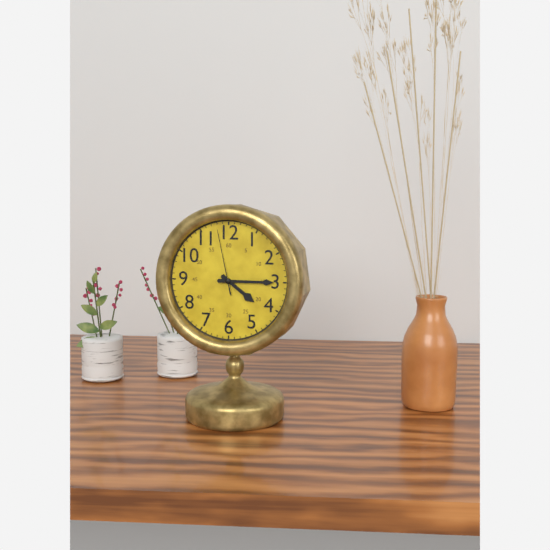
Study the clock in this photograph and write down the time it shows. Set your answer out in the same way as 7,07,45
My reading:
4,15,58
